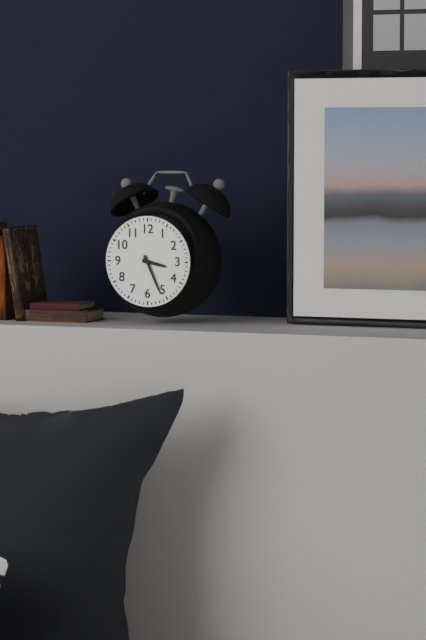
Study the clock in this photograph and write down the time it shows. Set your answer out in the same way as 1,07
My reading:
3,26
